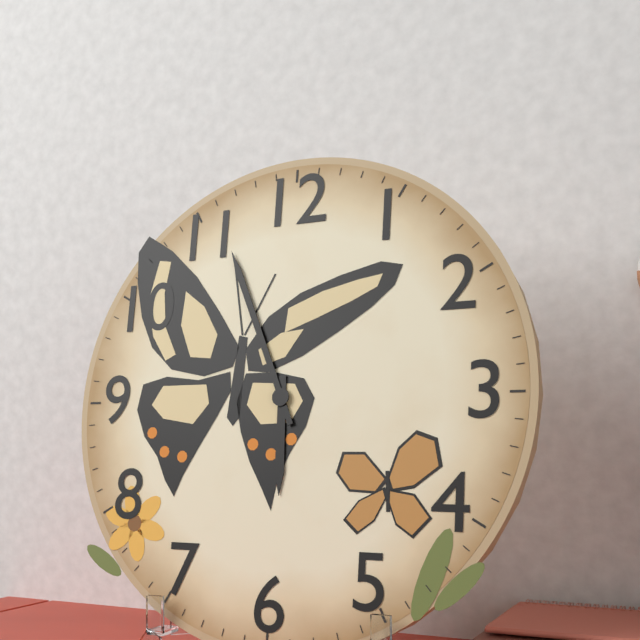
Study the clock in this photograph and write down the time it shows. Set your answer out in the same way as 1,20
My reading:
5,56
